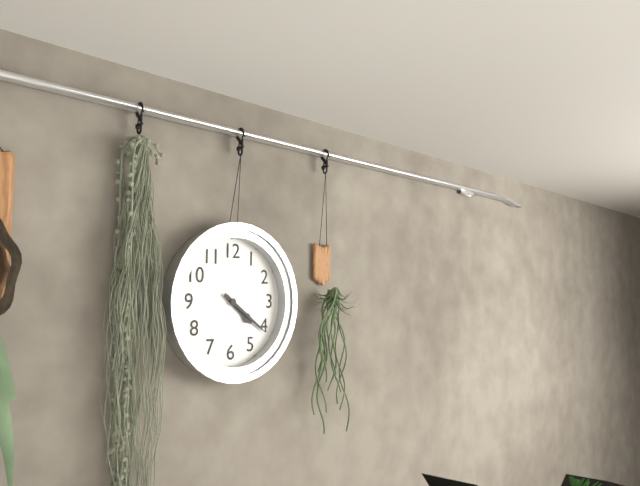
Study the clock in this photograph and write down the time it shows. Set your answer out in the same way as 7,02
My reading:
4,21
